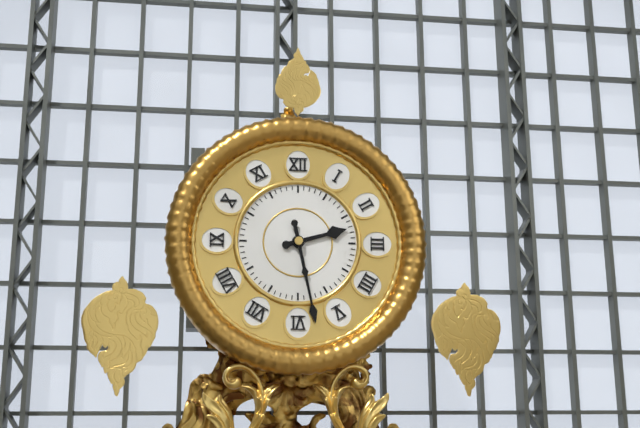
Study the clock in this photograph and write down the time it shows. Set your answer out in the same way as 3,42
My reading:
2,28
